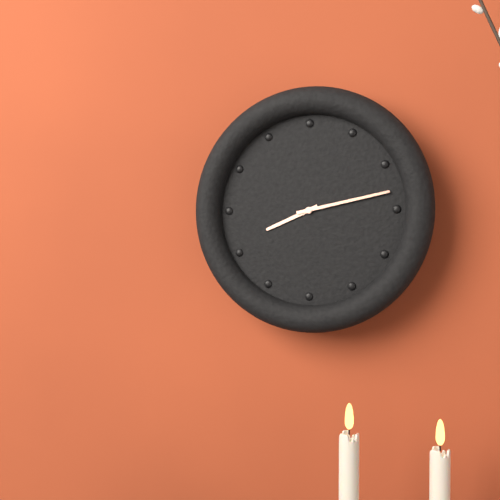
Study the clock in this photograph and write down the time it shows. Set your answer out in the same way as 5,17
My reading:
8,13
